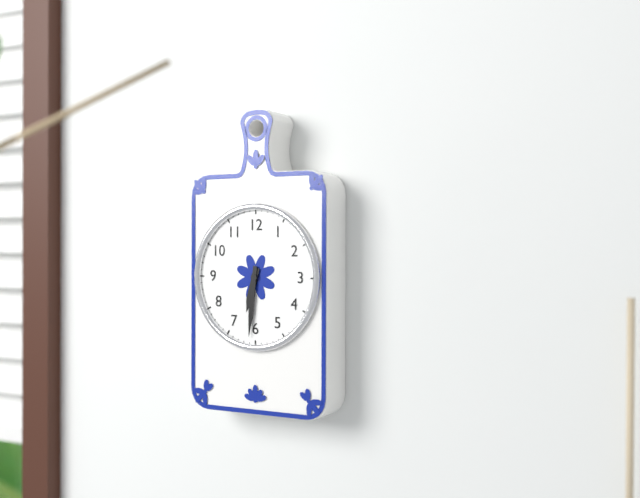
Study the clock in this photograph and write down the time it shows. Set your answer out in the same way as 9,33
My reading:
6,31
